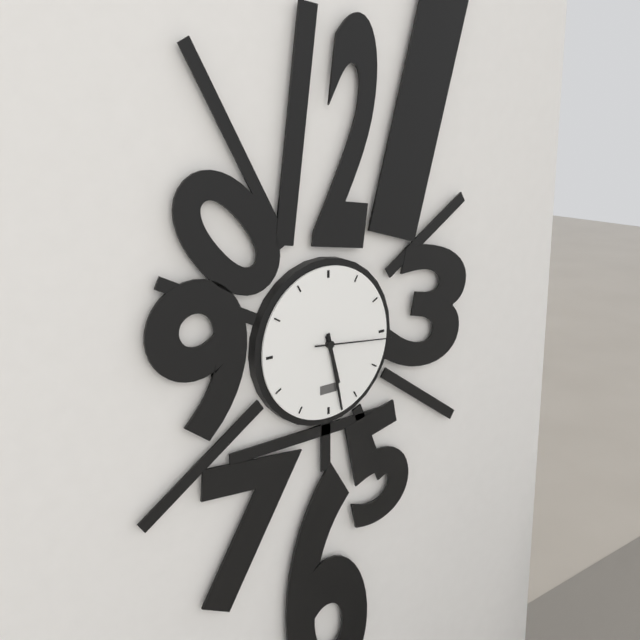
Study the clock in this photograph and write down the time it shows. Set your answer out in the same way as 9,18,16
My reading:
5,28,16
